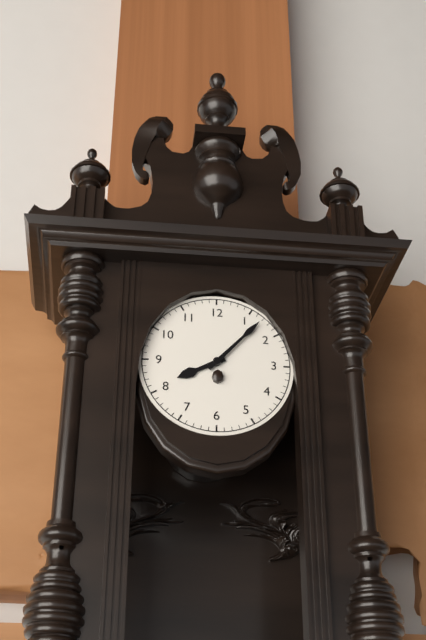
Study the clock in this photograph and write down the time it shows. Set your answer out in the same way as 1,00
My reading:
8,07
